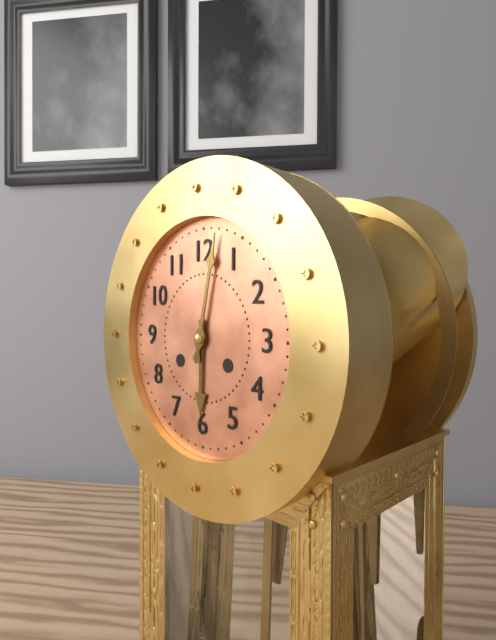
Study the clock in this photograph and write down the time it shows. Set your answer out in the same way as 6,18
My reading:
6,02
